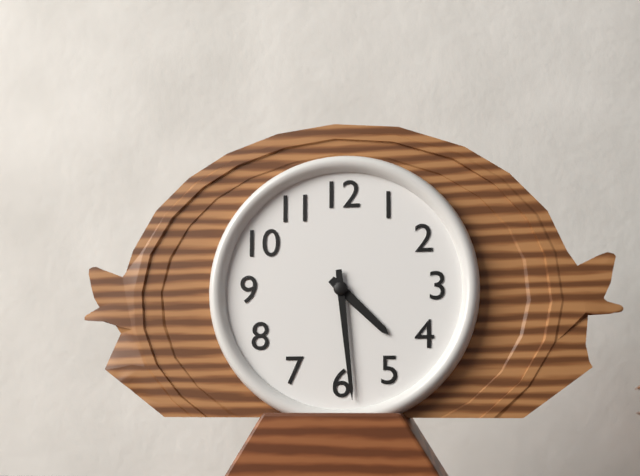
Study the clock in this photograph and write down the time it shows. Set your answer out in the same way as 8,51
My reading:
4,29
